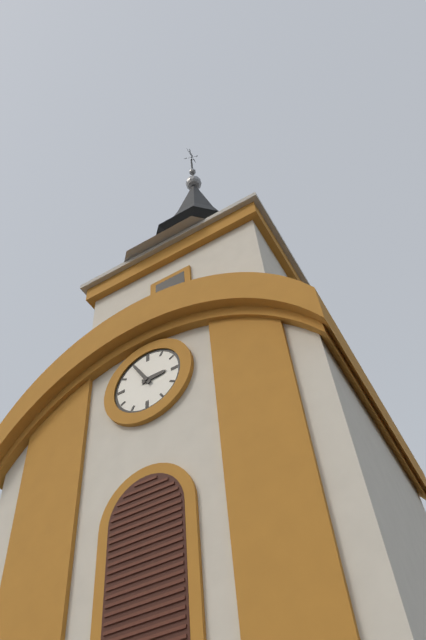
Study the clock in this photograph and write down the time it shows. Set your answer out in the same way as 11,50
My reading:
2,55
